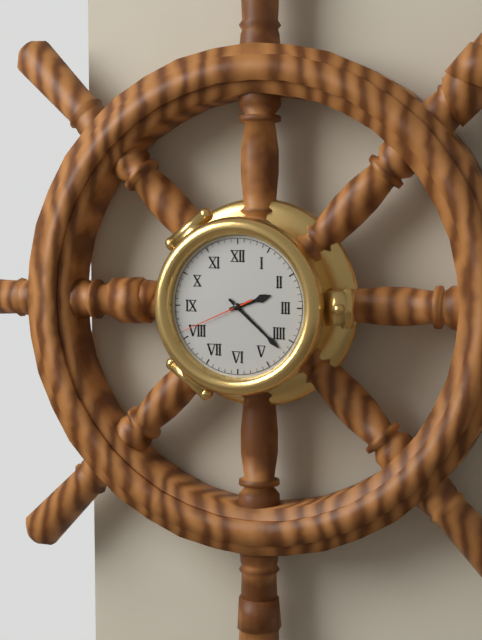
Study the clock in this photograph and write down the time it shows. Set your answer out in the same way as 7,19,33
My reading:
2,22,41
